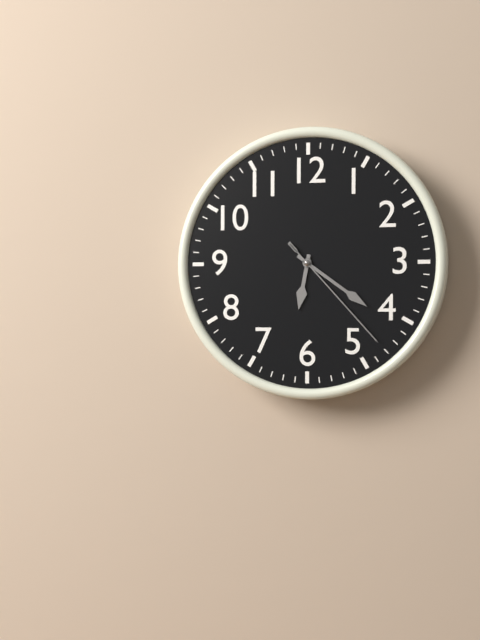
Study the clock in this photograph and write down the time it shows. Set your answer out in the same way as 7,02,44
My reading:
6,21,23
